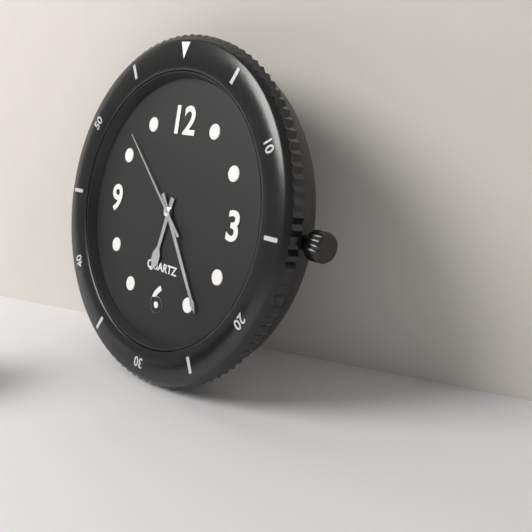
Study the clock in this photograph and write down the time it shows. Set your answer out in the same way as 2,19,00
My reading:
6,24,52
